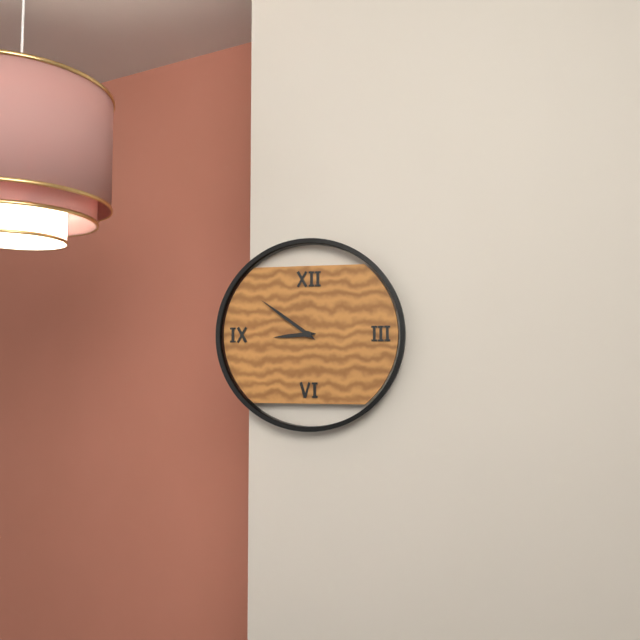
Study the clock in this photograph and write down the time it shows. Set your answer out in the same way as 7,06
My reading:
8,51
